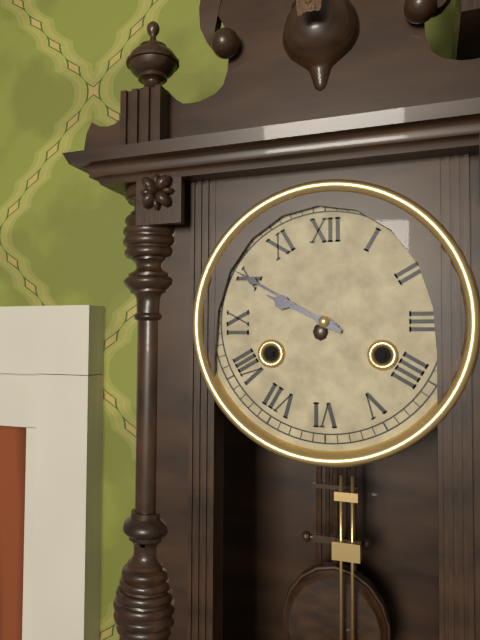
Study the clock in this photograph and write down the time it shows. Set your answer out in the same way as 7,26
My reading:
9,50
